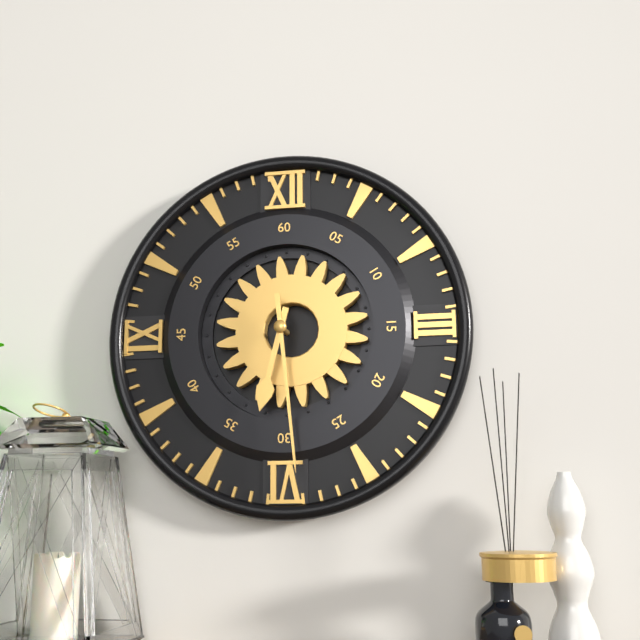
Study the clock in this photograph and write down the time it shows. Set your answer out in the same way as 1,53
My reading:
6,29
